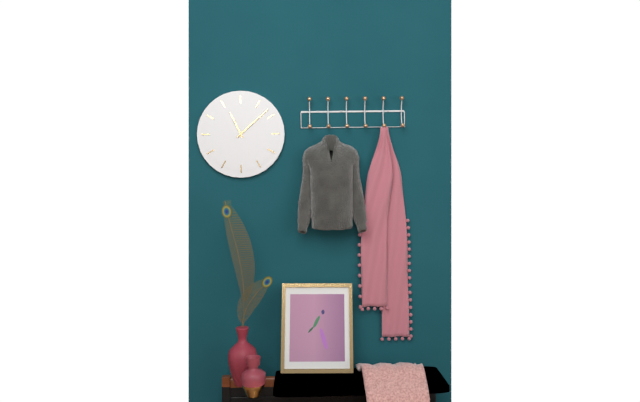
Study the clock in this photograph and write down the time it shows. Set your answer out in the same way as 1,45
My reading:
11,08
